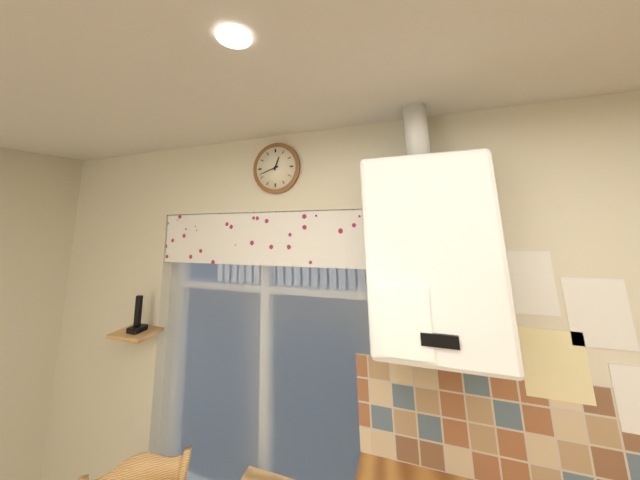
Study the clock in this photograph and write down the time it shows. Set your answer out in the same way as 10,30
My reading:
12,42
